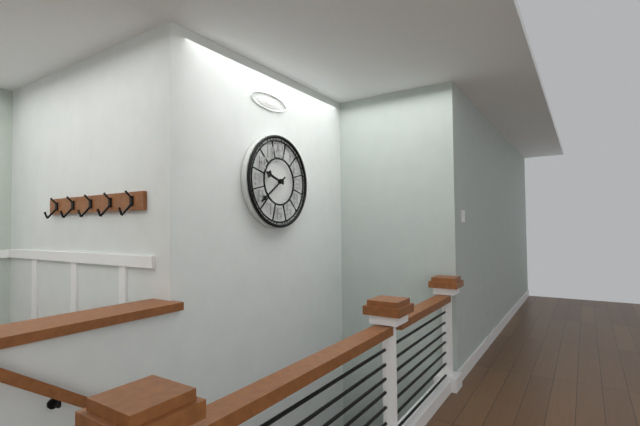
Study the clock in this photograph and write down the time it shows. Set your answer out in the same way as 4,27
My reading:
9,39
